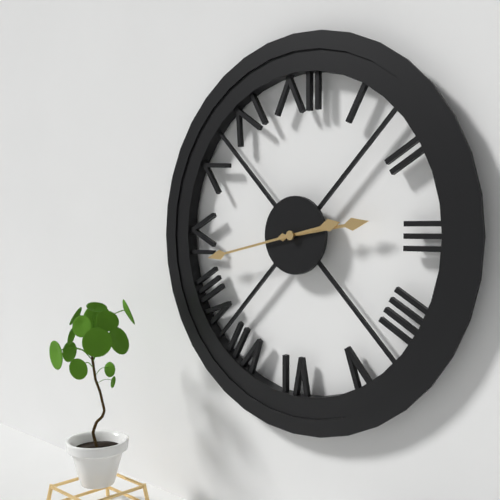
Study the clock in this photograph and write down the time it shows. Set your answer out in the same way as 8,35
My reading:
2,43
